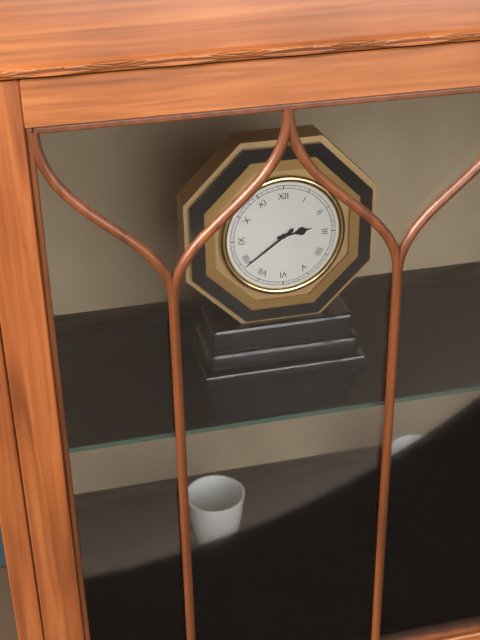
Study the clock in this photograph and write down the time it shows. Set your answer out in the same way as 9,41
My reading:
2,39
